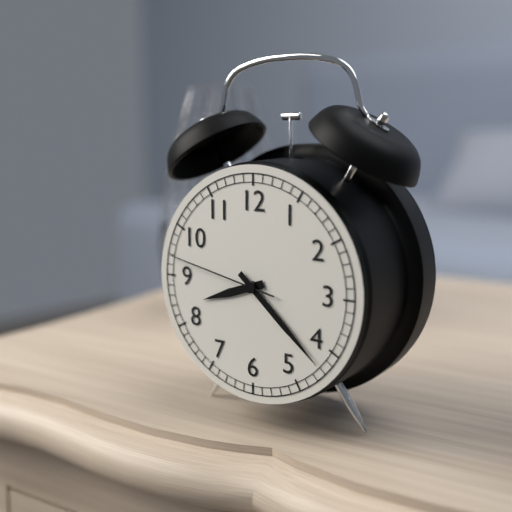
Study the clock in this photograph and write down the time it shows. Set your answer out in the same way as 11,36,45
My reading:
8,22,47
